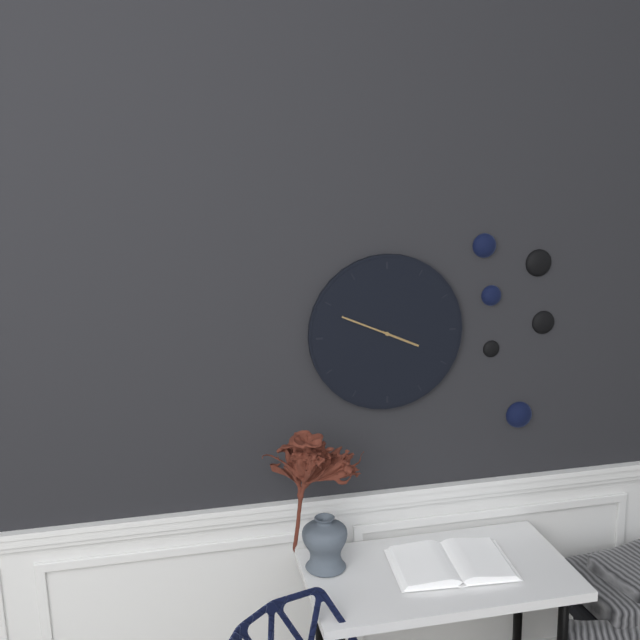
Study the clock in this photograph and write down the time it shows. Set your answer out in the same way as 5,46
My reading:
3,49
